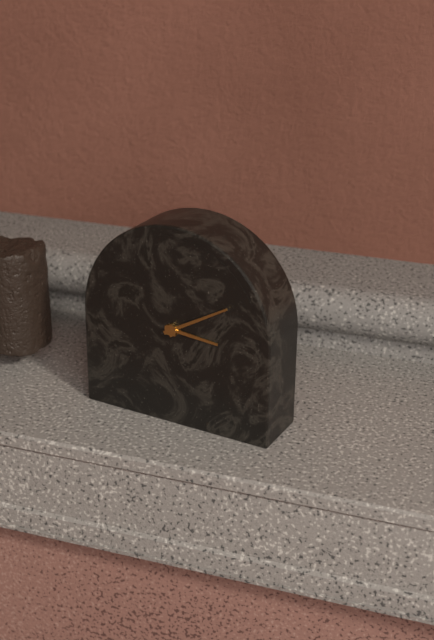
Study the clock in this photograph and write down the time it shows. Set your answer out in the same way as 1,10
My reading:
3,10
